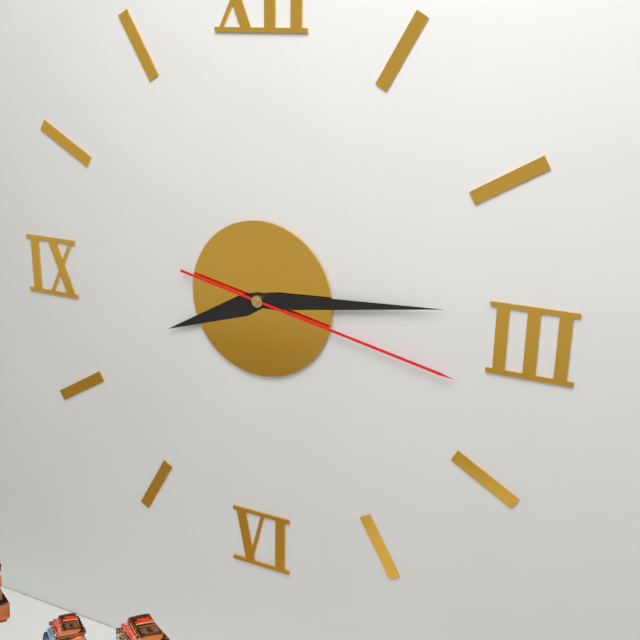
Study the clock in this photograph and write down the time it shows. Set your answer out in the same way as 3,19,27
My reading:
8,14,17
